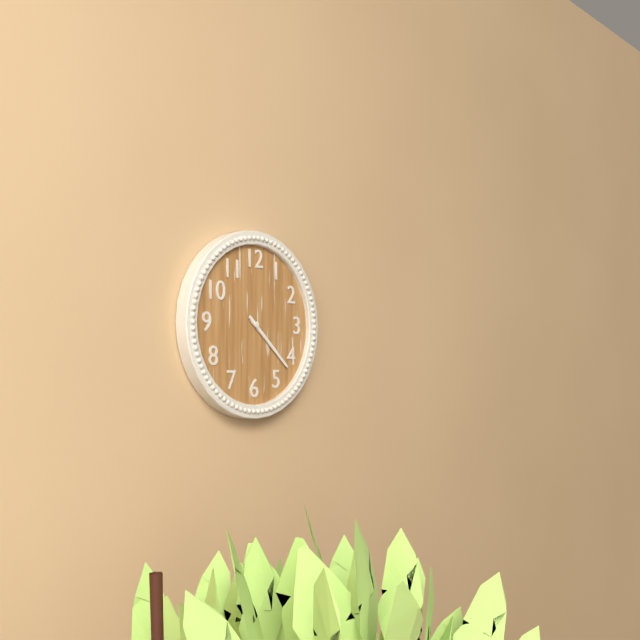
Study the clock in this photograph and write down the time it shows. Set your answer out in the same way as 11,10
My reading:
4,22
